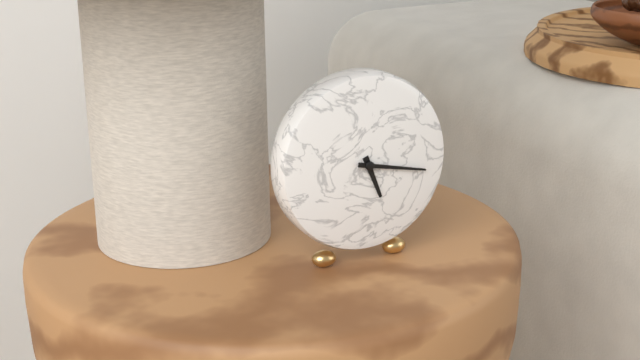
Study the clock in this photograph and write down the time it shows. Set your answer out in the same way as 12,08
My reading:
5,17
